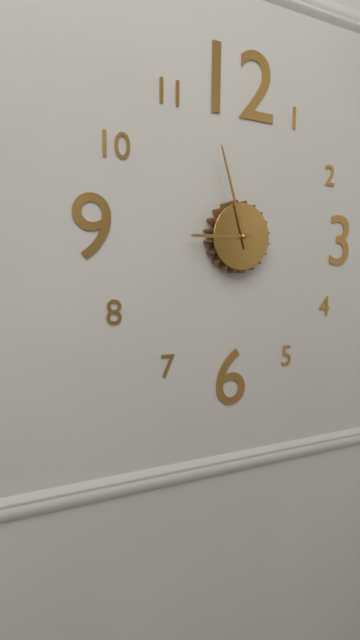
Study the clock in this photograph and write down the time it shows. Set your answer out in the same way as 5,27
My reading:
8,57
